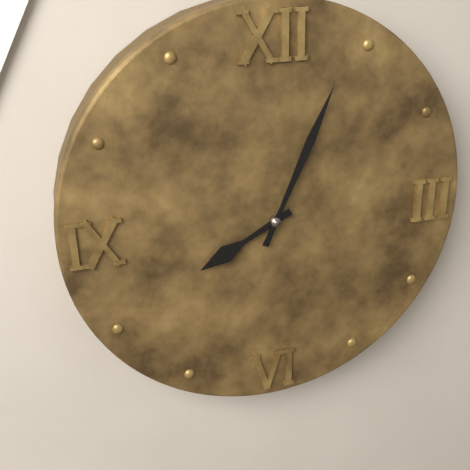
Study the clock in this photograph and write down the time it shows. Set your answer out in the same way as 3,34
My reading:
8,04
